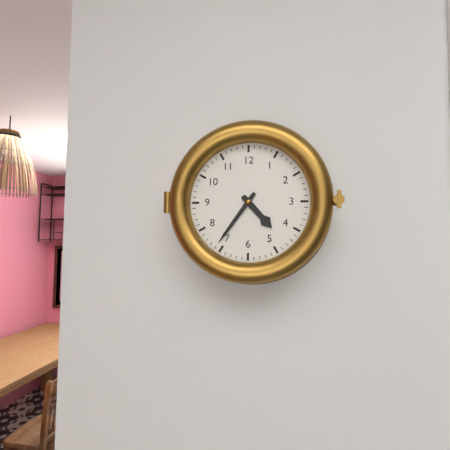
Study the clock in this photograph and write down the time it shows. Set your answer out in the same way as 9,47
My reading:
4,36
